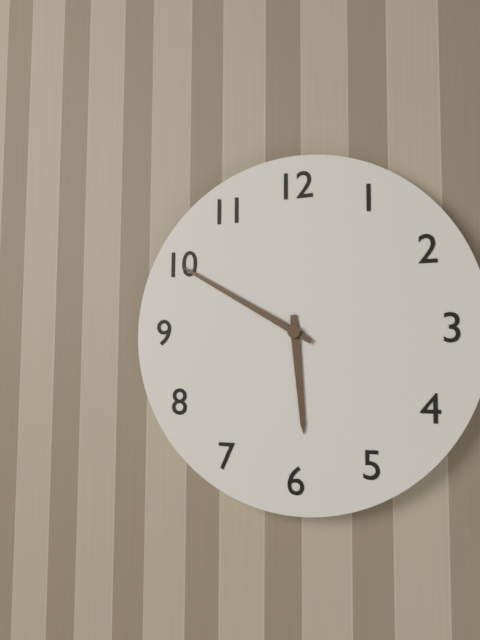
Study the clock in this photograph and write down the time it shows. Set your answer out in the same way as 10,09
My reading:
5,50
